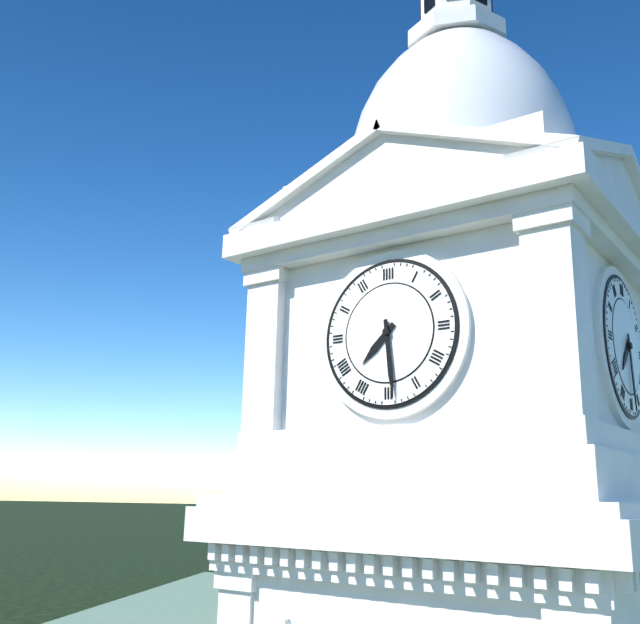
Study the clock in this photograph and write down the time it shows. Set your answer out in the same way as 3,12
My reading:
7,29
